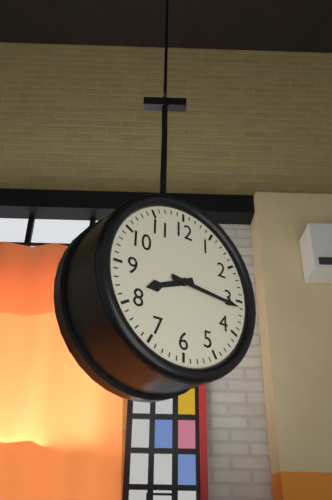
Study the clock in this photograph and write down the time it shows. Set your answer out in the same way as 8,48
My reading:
8,16
